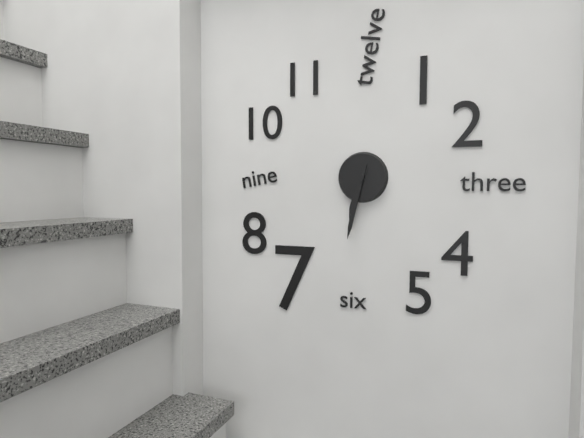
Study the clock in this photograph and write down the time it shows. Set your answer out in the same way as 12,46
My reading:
6,32
